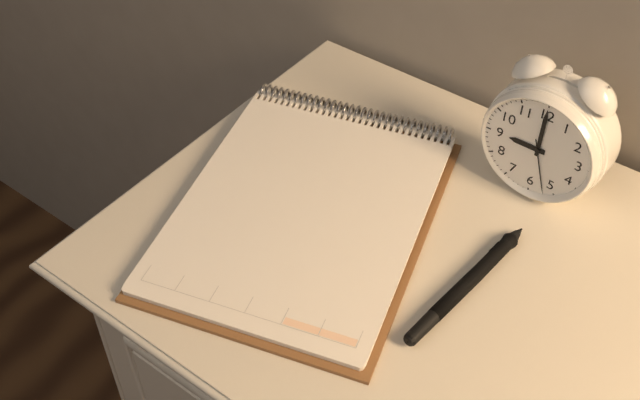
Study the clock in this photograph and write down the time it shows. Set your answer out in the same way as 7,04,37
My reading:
9,00,27
